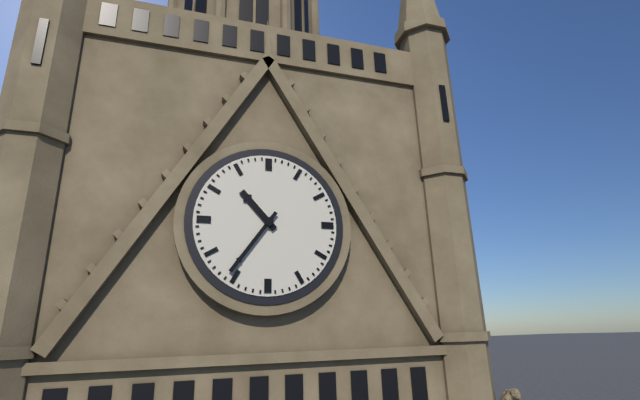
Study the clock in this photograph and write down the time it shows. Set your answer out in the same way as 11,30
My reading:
10,36
